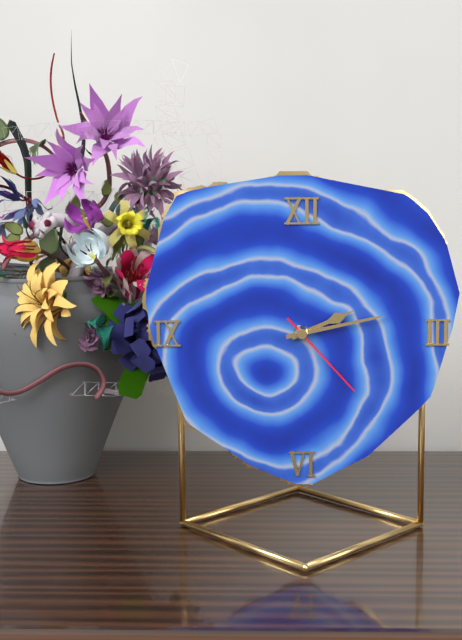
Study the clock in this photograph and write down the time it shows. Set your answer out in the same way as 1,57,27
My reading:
2,13,23
